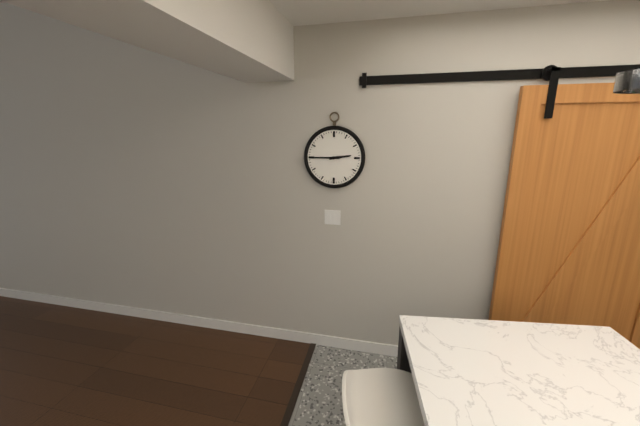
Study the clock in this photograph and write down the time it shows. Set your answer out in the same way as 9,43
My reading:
2,45
